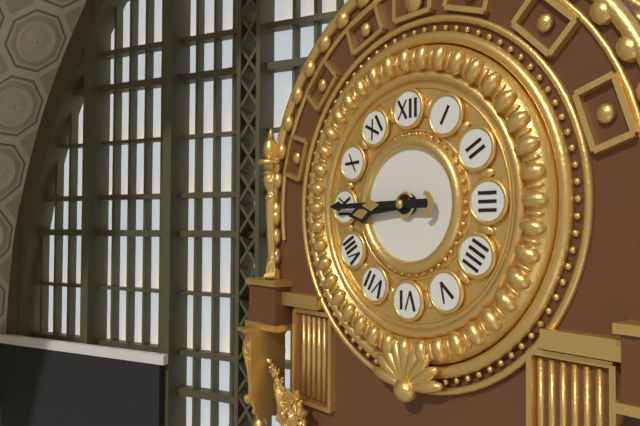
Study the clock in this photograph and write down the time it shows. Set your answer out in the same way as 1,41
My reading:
8,45
